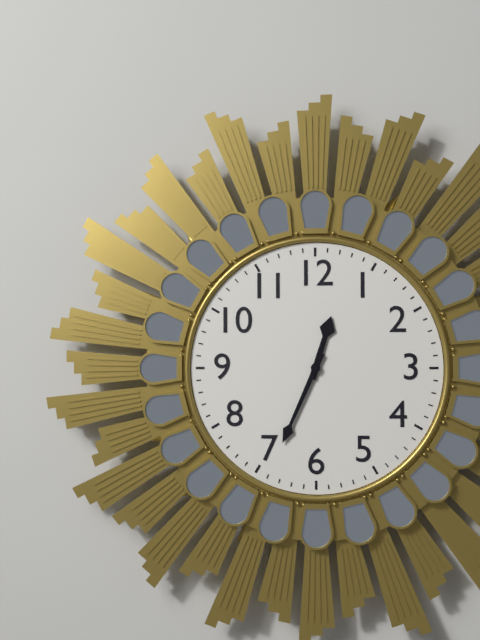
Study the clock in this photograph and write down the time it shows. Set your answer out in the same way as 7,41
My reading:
12,34
